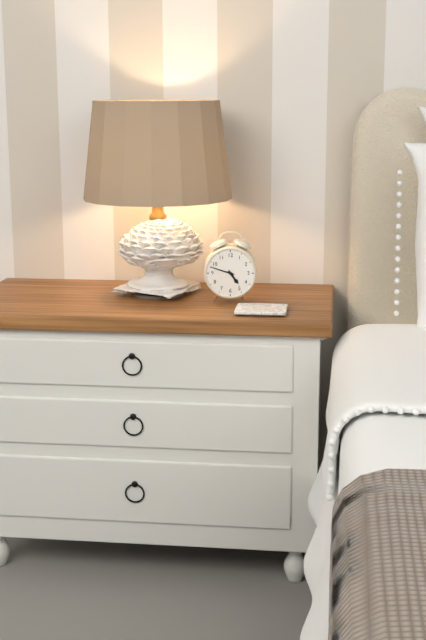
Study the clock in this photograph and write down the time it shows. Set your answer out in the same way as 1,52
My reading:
4,48
